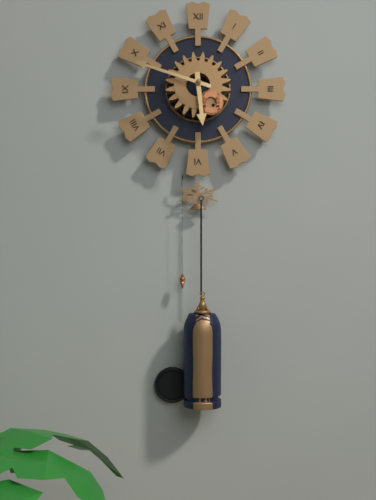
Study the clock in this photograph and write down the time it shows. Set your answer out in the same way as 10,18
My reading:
5,48
